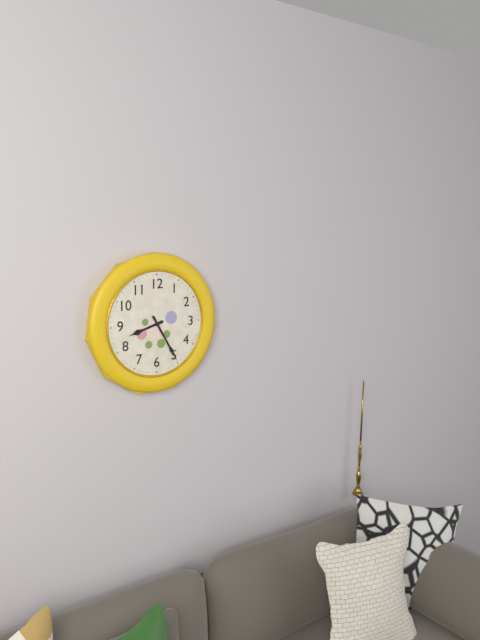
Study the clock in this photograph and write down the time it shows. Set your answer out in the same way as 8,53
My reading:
8,25
